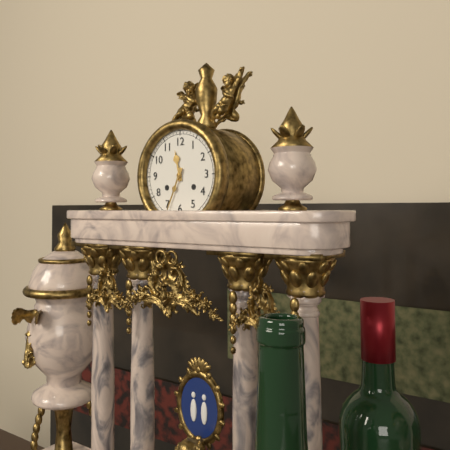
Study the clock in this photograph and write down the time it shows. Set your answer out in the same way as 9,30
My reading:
11,34
